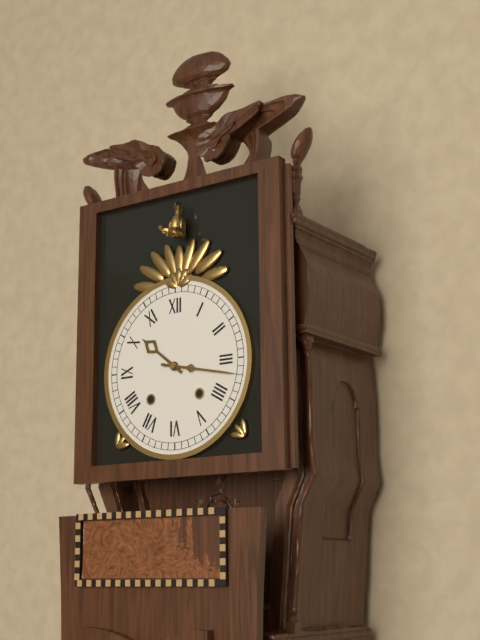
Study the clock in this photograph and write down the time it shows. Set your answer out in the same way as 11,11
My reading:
10,17
